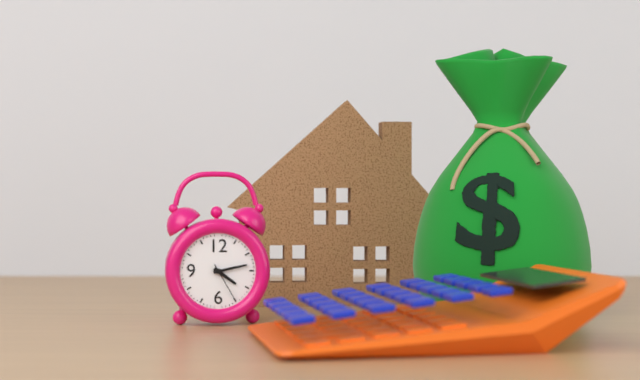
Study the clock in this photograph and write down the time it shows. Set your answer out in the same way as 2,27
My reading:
4,13
